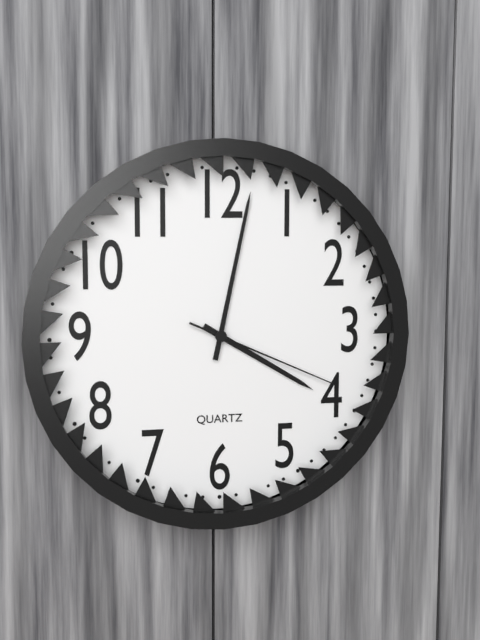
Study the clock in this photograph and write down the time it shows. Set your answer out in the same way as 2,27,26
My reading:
4,02,19
